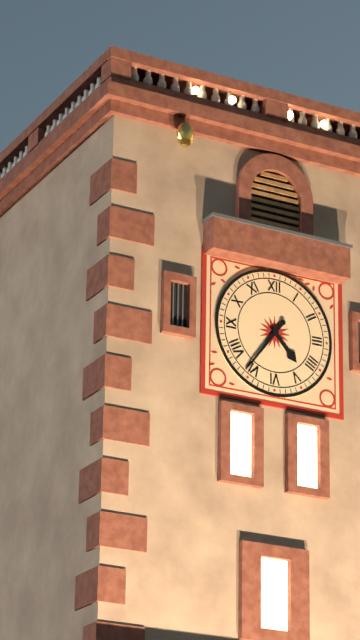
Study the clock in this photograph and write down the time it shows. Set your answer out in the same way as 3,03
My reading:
4,36
